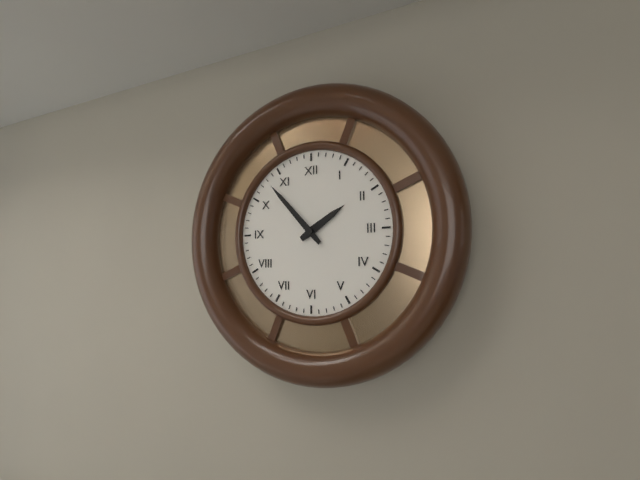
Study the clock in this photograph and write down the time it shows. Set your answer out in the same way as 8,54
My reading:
1,53
